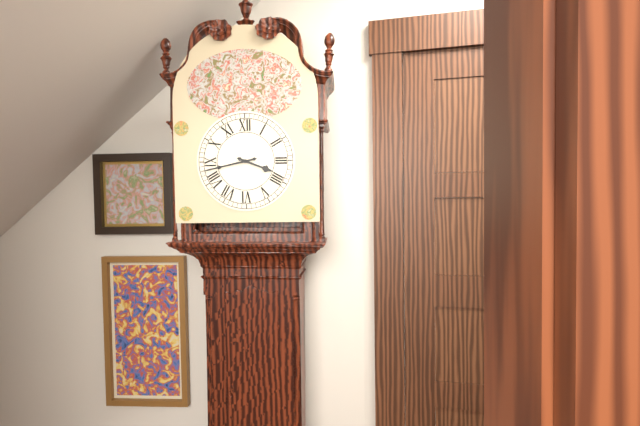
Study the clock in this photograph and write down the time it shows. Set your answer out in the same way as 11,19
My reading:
3,43
